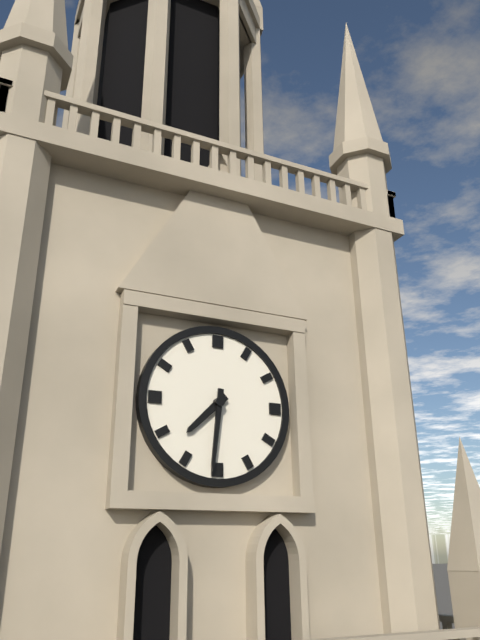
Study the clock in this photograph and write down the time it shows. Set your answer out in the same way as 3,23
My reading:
7,31
